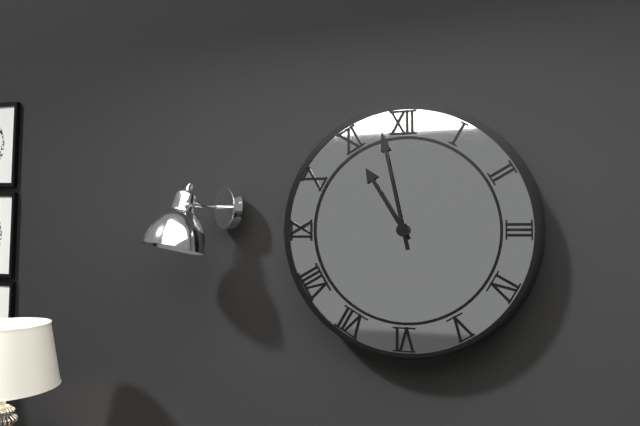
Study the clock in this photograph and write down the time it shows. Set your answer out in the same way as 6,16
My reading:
10,58
